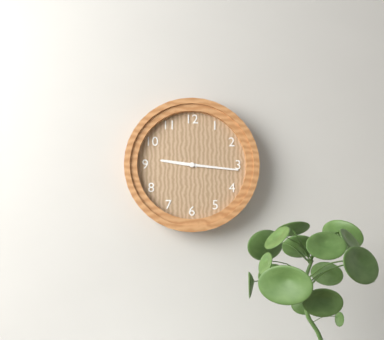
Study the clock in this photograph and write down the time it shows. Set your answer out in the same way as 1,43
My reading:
9,16
